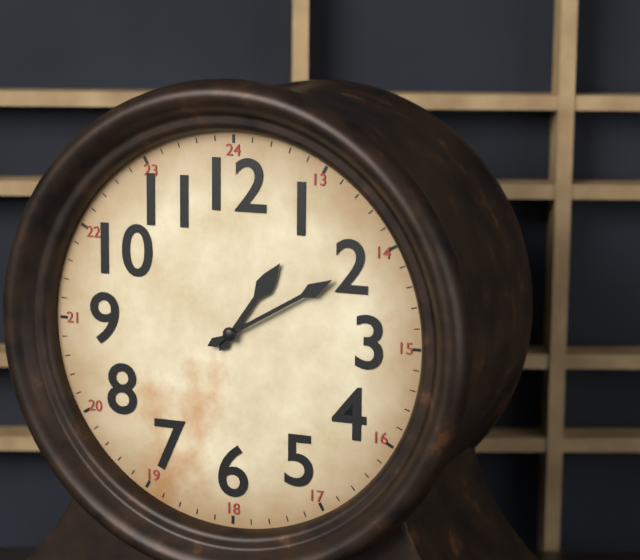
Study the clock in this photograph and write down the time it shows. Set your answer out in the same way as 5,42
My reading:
1,10
